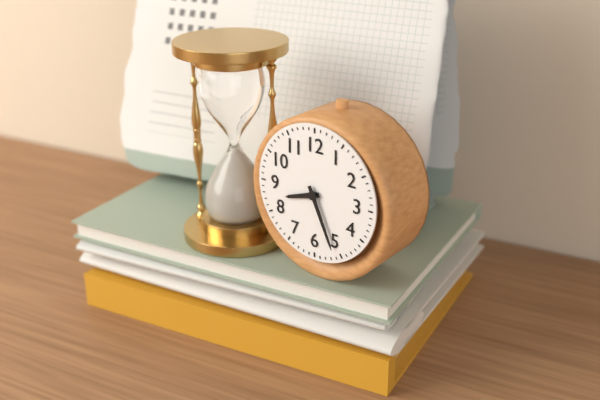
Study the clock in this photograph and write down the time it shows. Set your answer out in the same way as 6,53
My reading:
8,26
